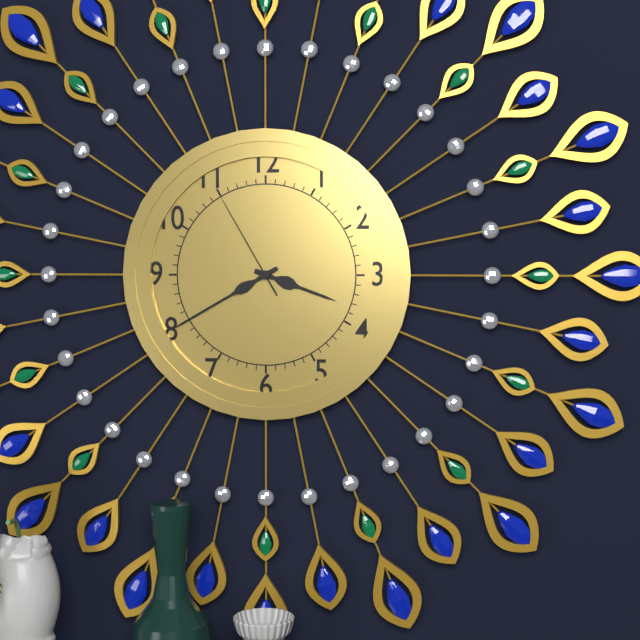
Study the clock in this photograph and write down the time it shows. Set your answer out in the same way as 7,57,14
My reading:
3,40,55
